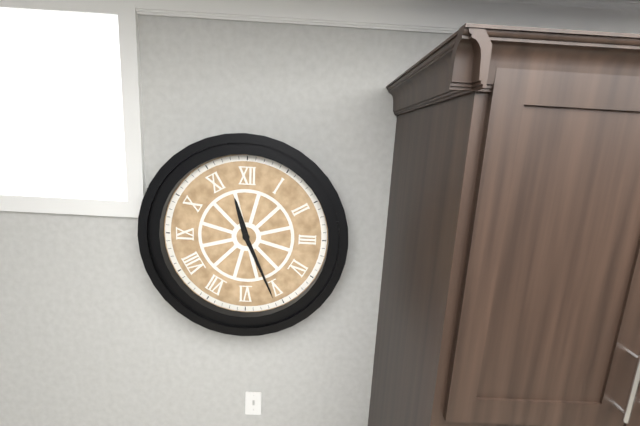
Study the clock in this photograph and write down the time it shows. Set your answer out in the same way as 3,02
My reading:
11,26
